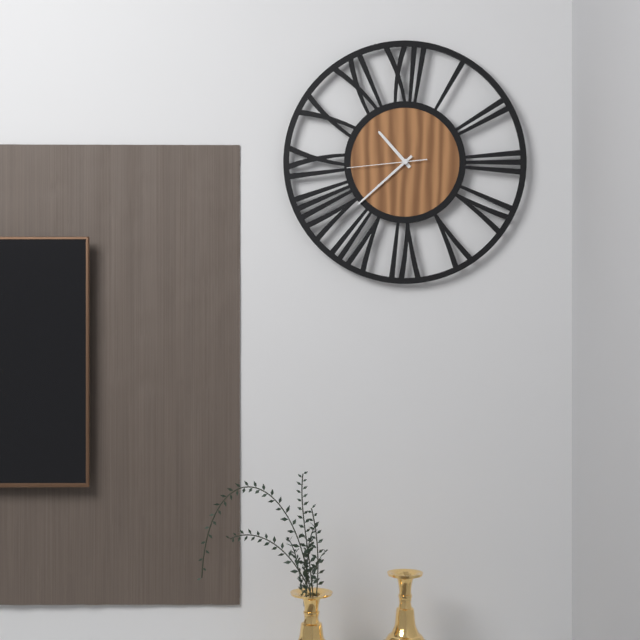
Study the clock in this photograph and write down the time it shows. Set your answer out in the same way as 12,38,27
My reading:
10,38,44
